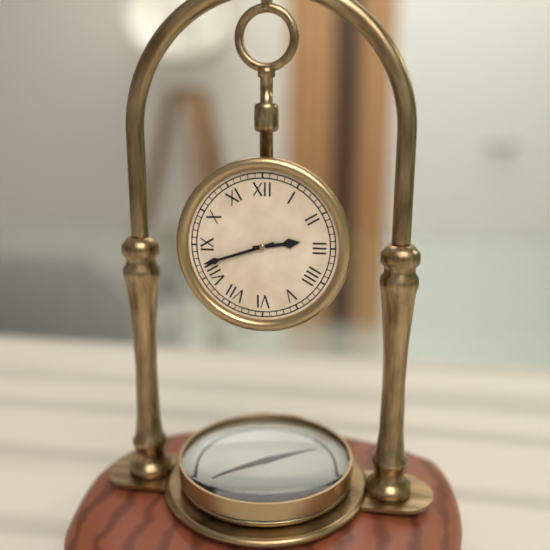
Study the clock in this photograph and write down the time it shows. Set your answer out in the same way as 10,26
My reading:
2,42
